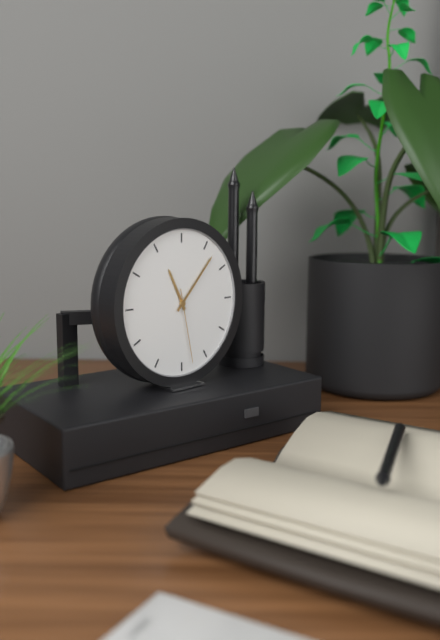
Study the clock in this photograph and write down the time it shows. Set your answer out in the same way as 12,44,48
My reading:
11,07,28
